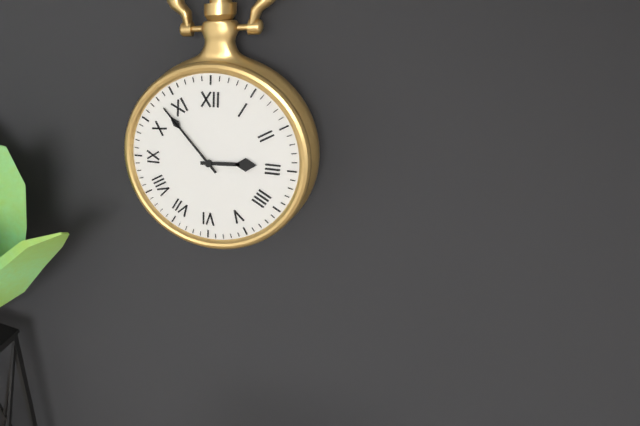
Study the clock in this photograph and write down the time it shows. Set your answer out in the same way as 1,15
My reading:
2,53
